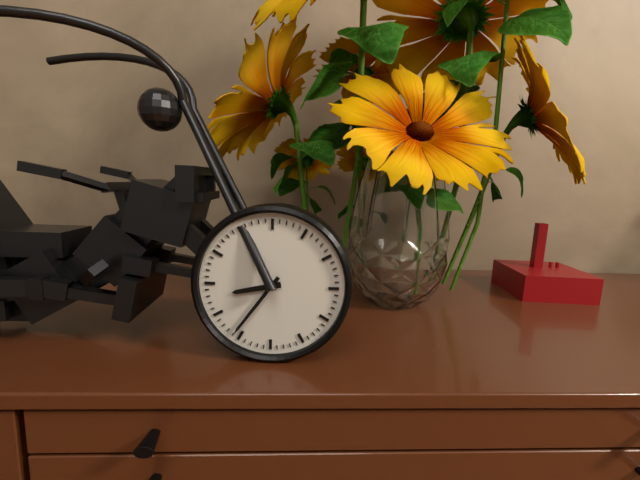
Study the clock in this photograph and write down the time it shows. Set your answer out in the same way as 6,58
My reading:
8,36
